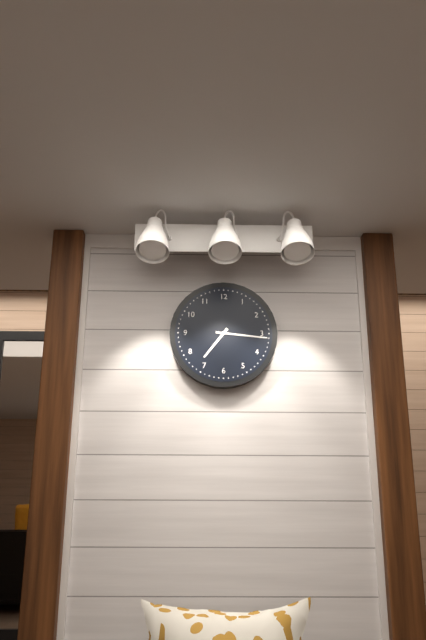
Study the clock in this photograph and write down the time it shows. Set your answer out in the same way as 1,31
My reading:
7,16
